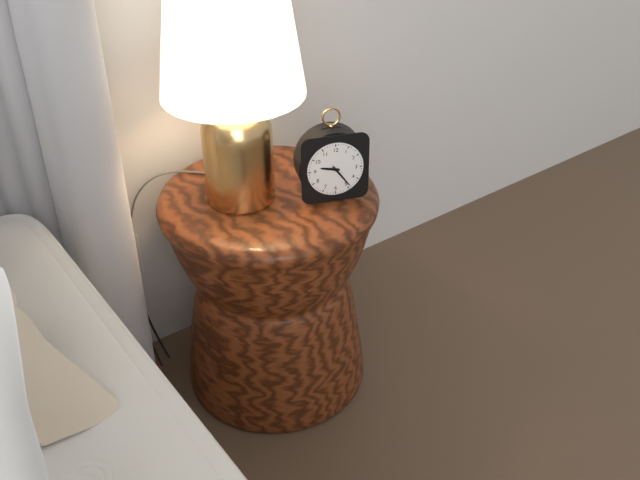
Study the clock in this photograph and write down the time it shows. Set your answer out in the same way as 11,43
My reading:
9,24
